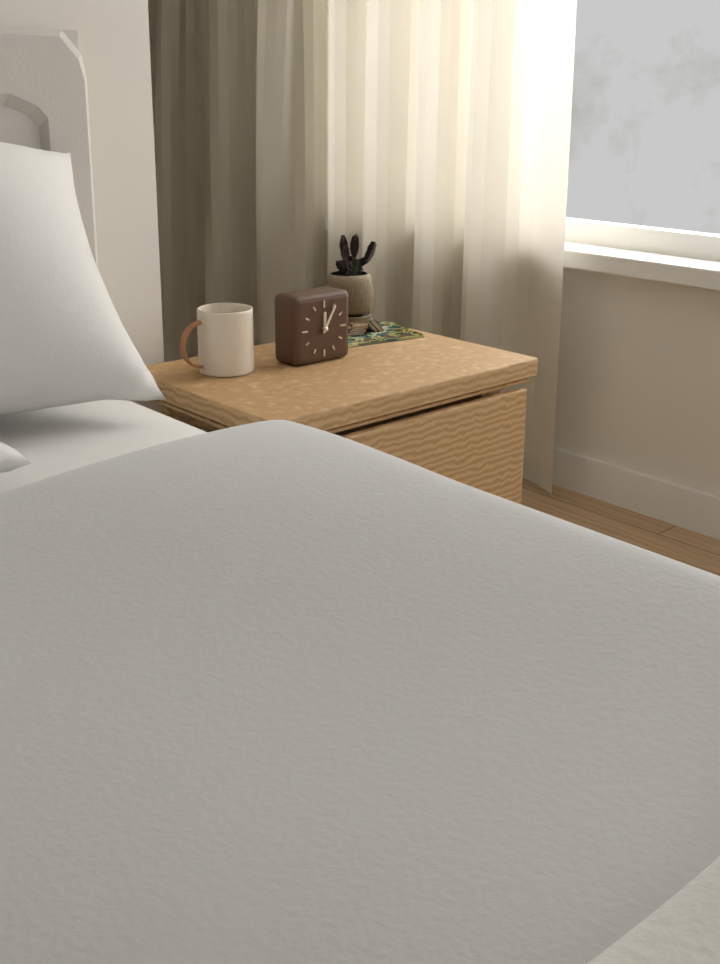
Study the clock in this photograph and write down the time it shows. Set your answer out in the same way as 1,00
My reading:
12,05
